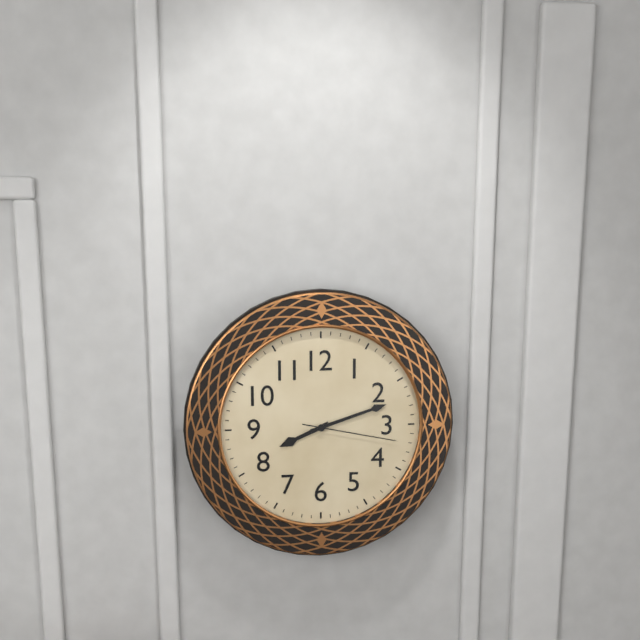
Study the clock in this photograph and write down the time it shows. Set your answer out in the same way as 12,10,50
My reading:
8,12,17
